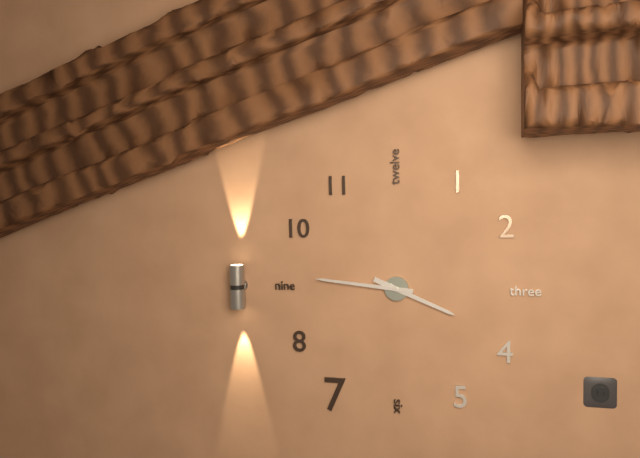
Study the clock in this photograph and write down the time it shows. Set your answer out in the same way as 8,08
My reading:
3,46
